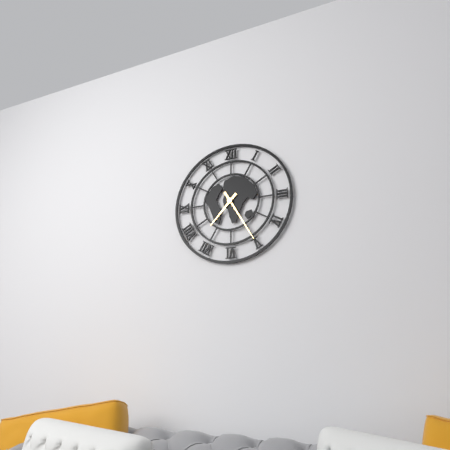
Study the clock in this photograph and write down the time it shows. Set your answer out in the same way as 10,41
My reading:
7,25
